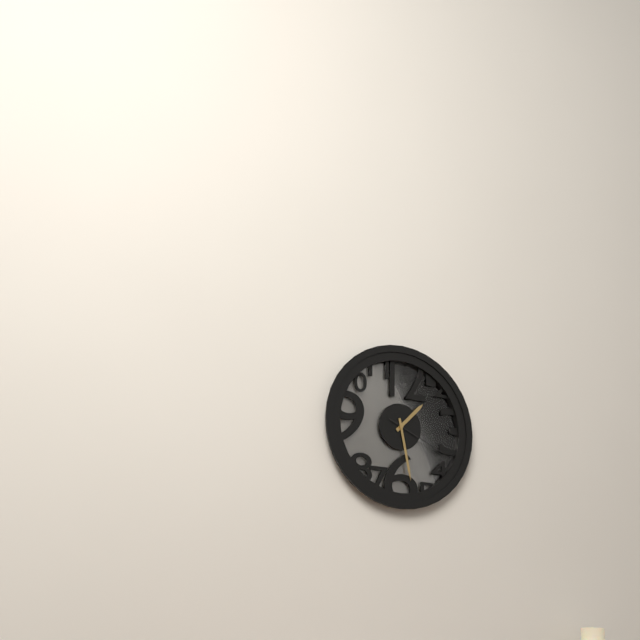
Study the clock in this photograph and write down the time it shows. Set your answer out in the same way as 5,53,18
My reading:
1,28,19
